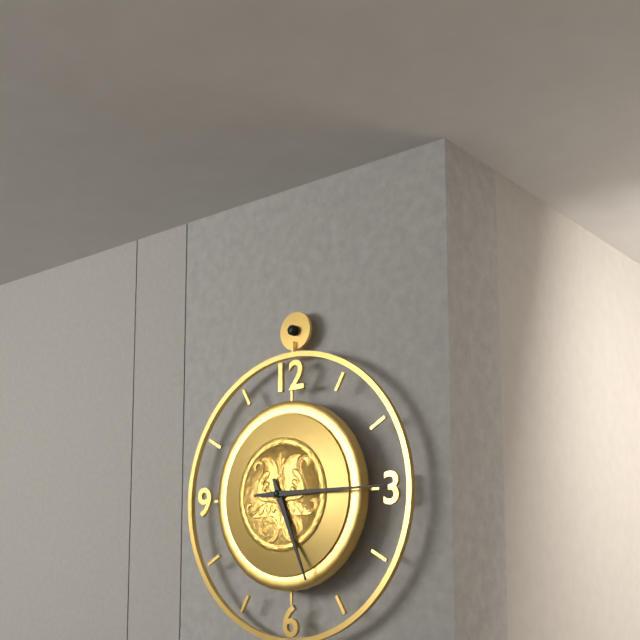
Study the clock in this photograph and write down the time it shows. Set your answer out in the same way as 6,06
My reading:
5,15
